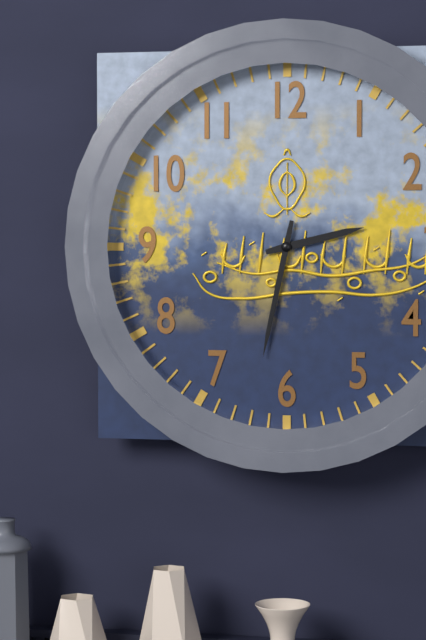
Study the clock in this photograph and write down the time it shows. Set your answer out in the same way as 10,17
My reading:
2,32
